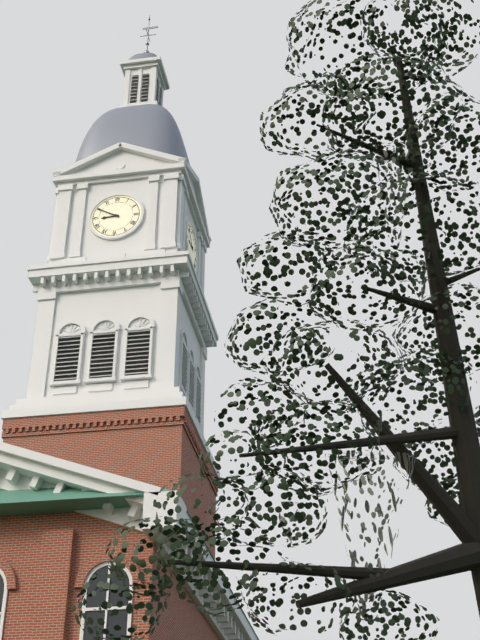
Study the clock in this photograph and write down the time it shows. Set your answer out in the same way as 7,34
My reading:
8,50
